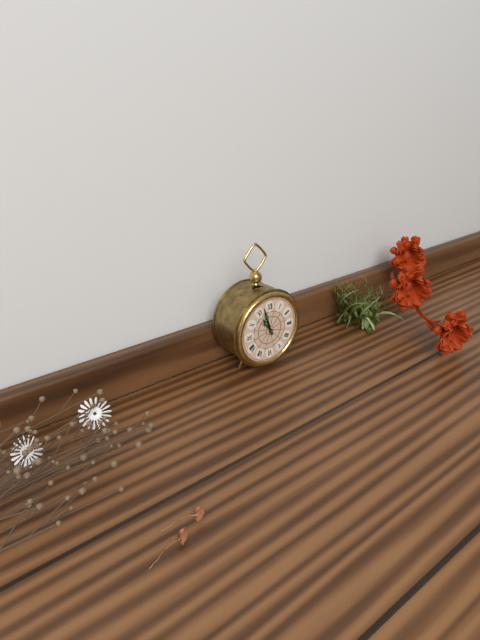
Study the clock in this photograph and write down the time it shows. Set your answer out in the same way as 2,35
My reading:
10,57
